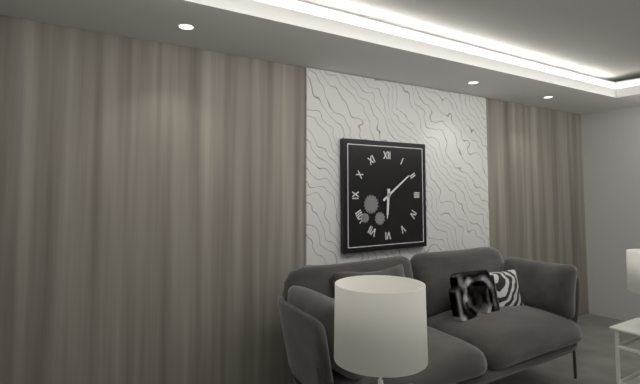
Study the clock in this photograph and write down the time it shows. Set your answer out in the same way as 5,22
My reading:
6,09
